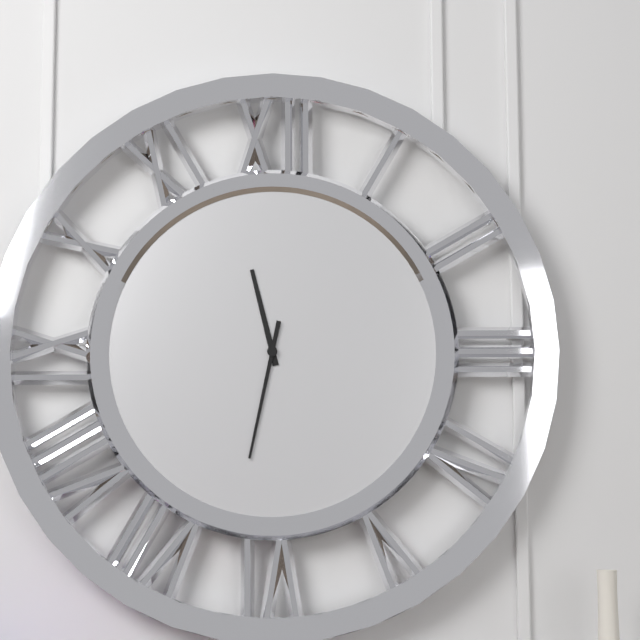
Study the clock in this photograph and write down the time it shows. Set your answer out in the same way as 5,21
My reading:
11,32
